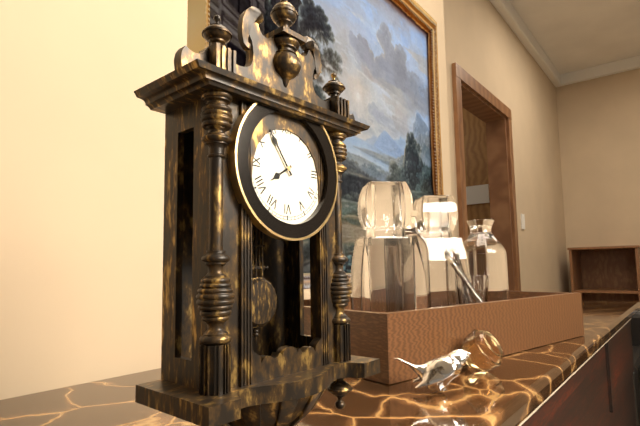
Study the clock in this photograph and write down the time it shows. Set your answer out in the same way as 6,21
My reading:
7,54
